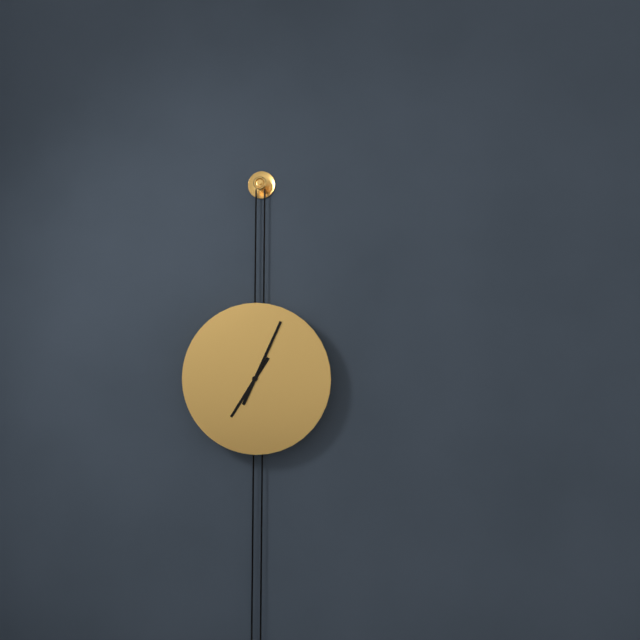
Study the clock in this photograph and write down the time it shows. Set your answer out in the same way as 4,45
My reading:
7,04
